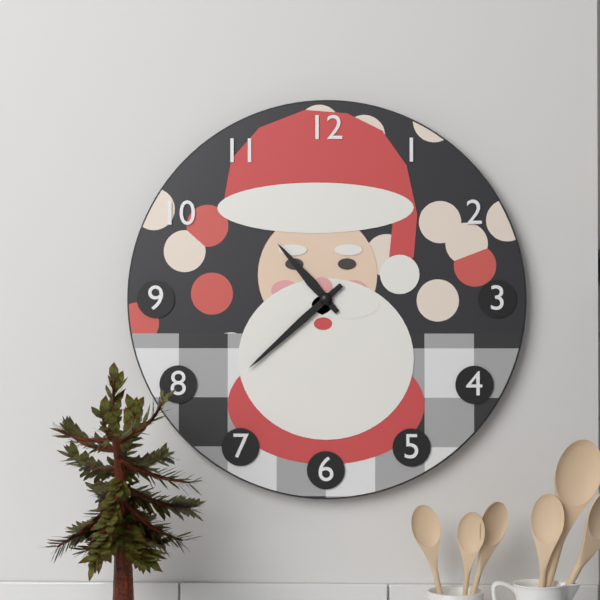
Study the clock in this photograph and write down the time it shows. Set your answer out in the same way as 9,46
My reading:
10,38
